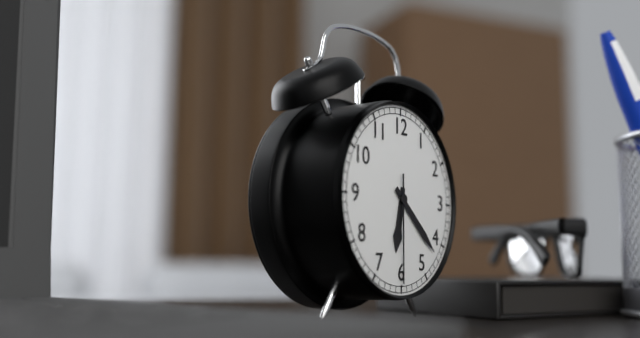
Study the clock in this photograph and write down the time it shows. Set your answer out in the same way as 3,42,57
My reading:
6,22,30
